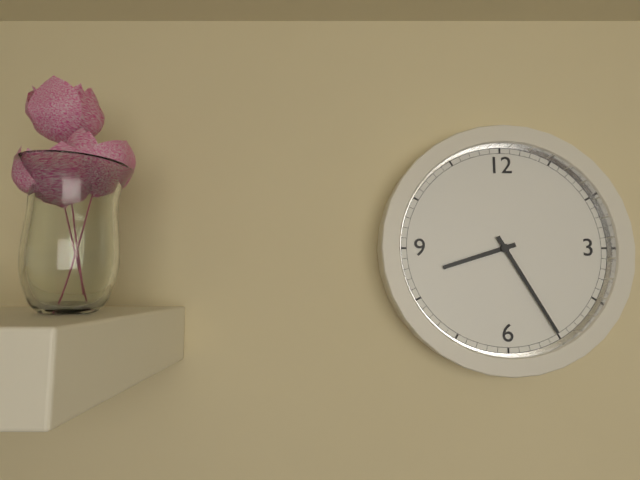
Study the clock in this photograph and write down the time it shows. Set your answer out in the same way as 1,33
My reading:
8,25
